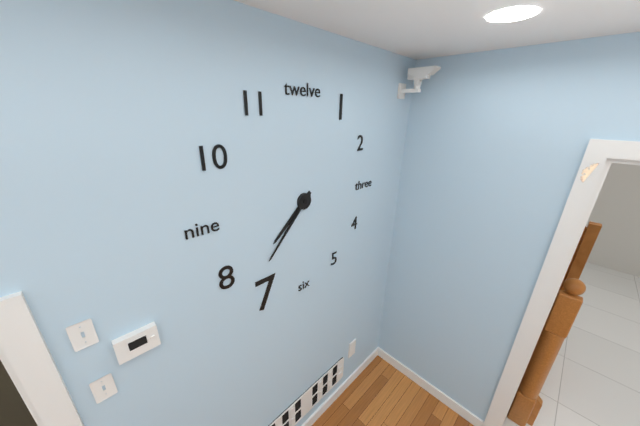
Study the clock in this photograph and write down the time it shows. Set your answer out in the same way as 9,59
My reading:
7,37
